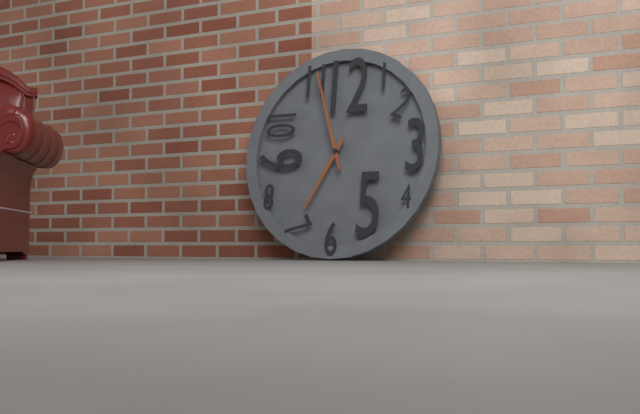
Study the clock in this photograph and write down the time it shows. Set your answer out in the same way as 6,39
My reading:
6,57
